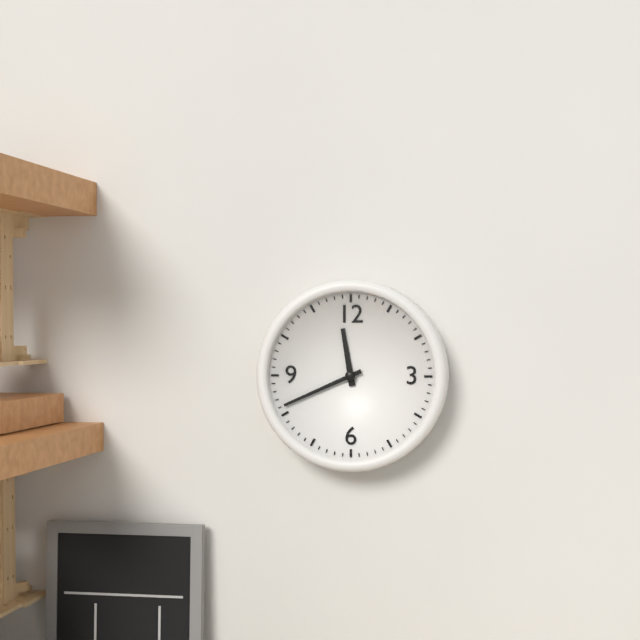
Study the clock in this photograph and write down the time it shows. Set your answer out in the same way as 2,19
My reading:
11,41
